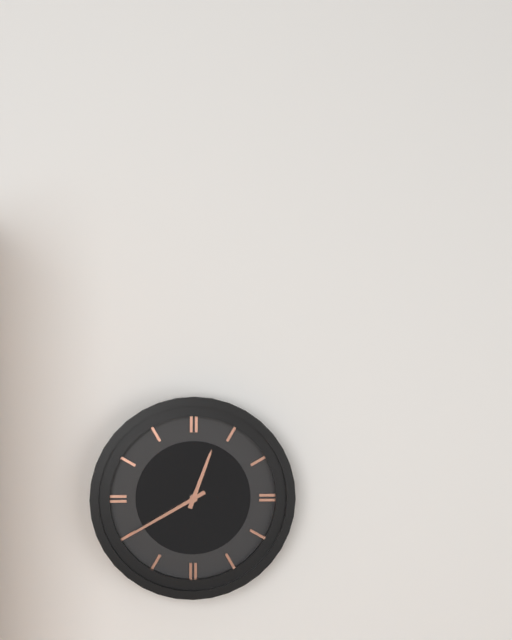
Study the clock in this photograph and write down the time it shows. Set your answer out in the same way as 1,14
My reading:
12,40
